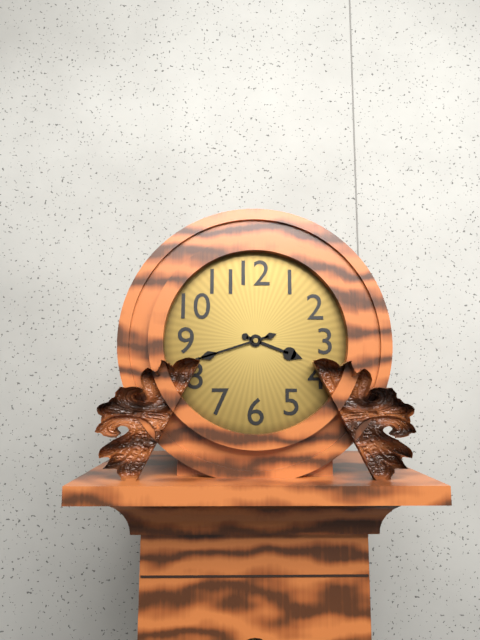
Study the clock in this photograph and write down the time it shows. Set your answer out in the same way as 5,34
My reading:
3,42
